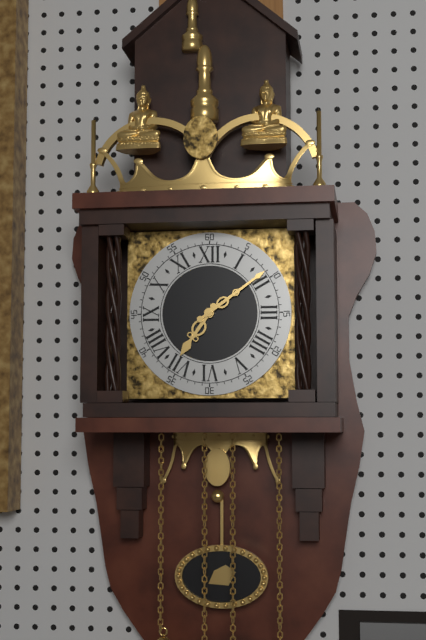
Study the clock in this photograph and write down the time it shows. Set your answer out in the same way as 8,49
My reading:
7,09
